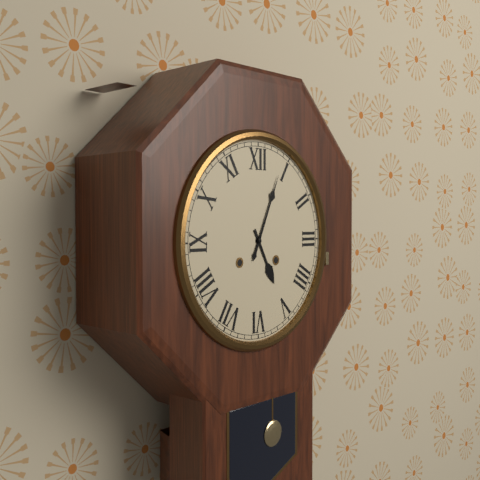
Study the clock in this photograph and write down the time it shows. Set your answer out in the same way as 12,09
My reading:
5,04
